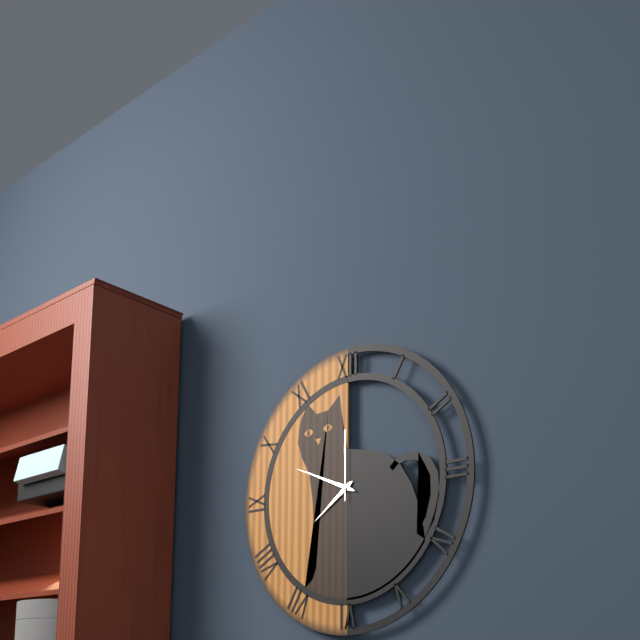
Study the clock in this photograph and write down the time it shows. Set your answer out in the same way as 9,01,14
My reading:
7,49,00
